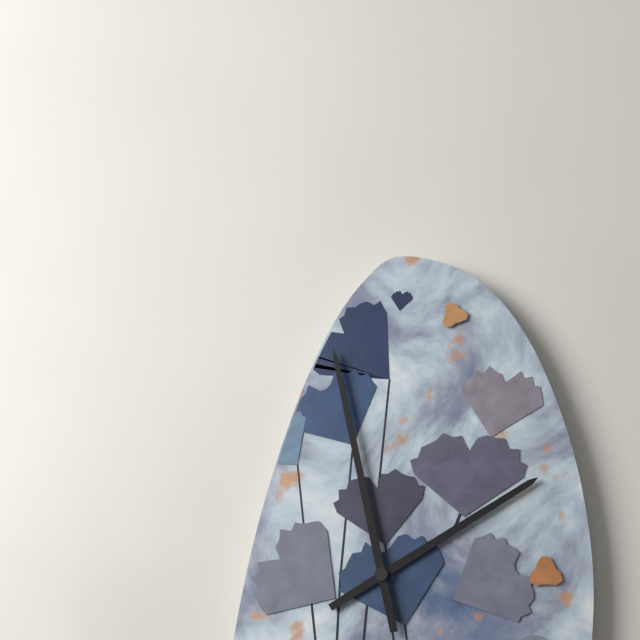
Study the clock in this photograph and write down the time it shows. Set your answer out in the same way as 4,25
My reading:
1,58
